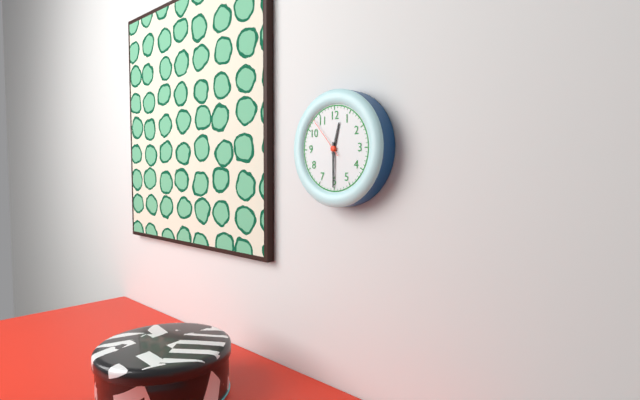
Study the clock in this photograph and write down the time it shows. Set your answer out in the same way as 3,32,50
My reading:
12,30,53
